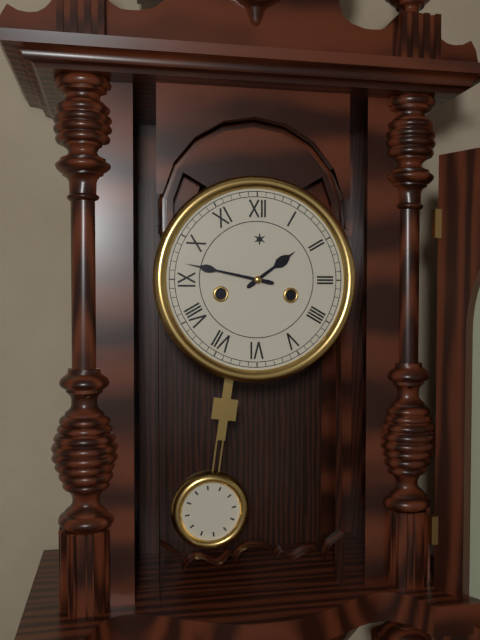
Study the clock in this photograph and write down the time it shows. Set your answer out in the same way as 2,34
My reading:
1,47
